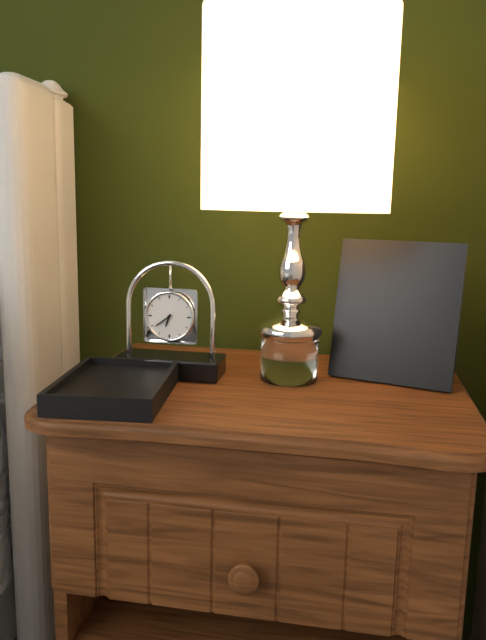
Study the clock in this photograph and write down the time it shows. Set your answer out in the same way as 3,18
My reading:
6,39
